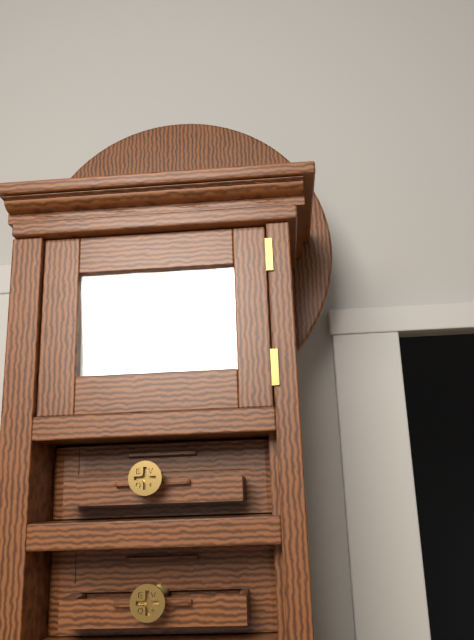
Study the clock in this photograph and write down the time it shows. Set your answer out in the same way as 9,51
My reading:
9,31
